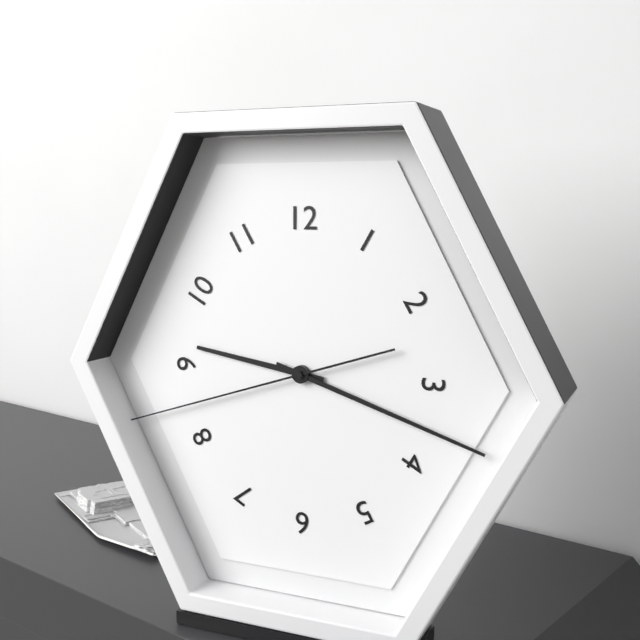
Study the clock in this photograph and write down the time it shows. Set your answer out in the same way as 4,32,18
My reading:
9,18,42
